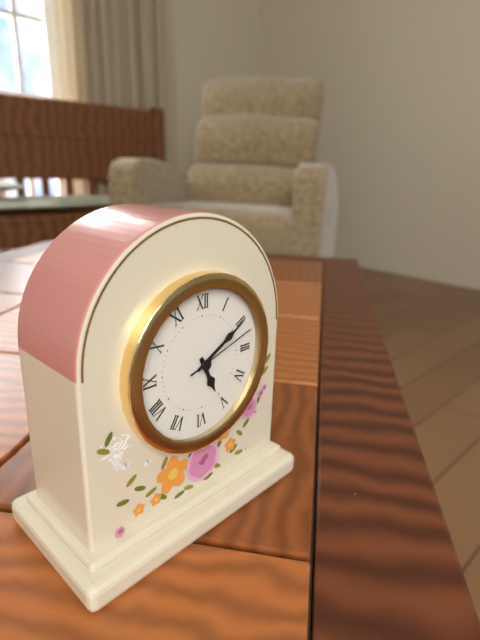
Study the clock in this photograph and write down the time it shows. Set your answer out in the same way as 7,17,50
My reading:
5,10,12
